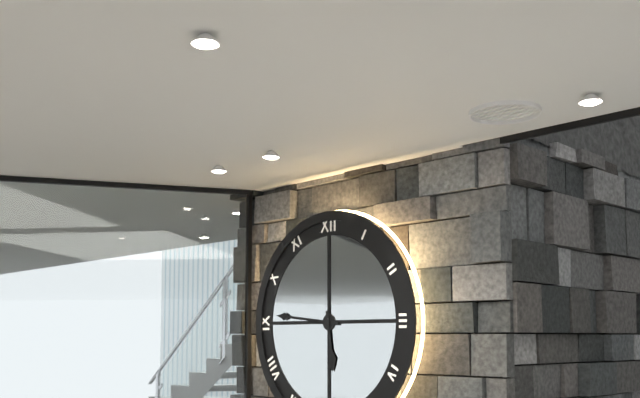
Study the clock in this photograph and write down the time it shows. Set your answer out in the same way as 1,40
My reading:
5,46
